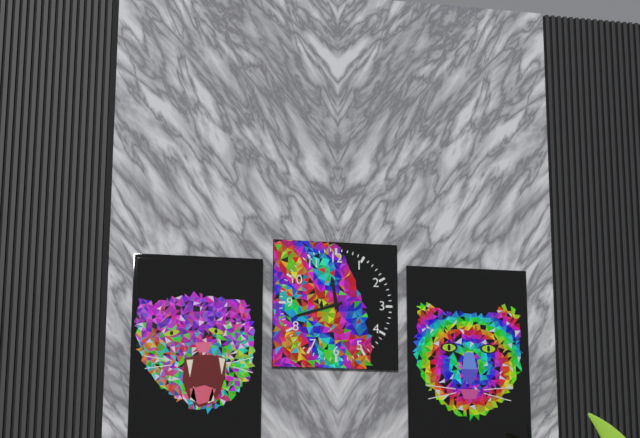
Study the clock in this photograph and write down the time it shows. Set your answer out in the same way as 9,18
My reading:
11,42
